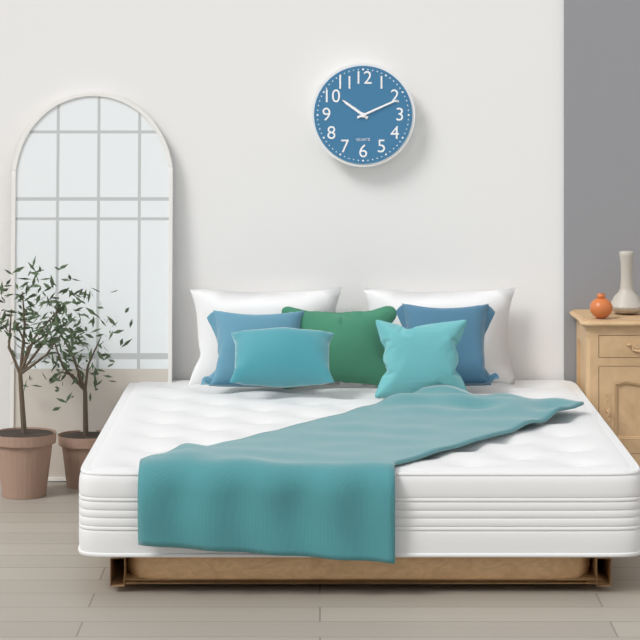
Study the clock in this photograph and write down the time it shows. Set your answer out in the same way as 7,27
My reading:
10,11
